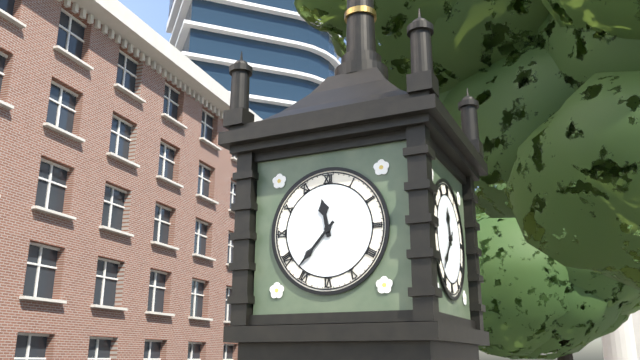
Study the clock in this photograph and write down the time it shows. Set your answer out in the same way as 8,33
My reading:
11,37
